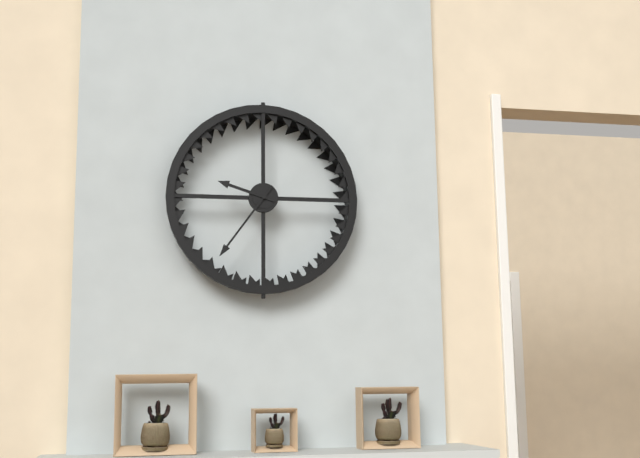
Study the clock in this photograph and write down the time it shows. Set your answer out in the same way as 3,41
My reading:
9,36
